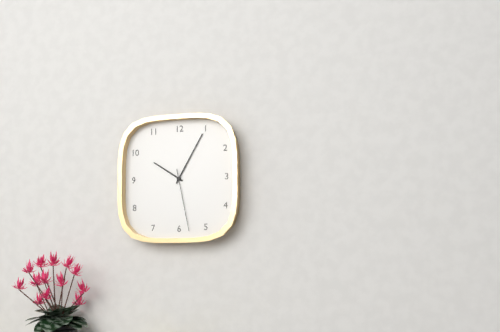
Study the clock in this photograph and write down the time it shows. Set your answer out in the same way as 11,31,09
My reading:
10,05,28
